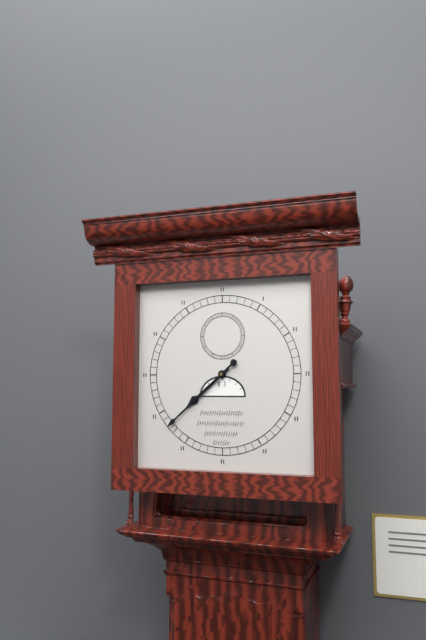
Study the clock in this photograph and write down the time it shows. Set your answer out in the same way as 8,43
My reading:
7,38
